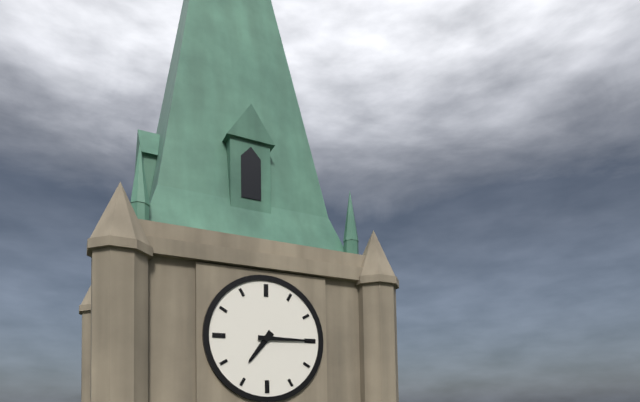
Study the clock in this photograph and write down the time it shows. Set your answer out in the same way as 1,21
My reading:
7,15
